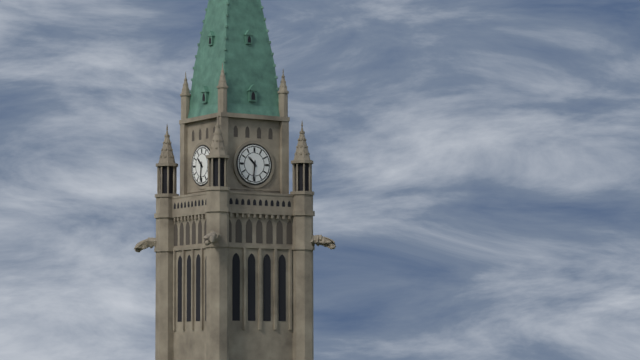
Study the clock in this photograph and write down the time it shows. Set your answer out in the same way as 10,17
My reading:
10,31
